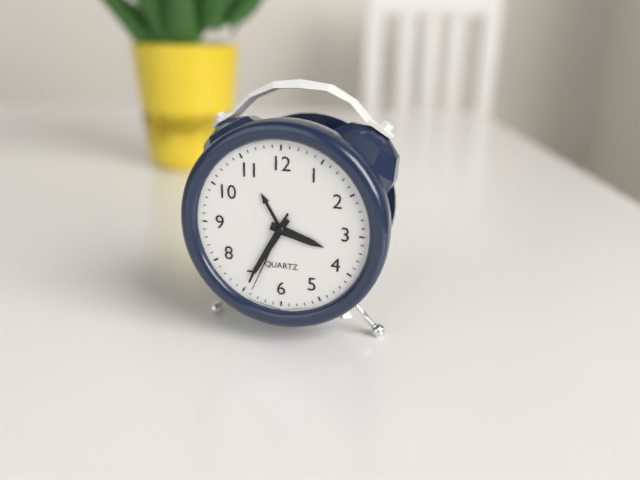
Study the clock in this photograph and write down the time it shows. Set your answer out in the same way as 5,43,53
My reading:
3,35,34
